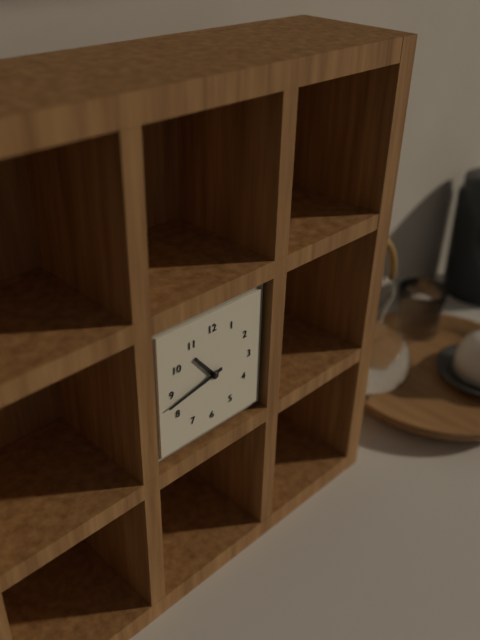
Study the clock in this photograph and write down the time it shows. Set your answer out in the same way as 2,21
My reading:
10,43
